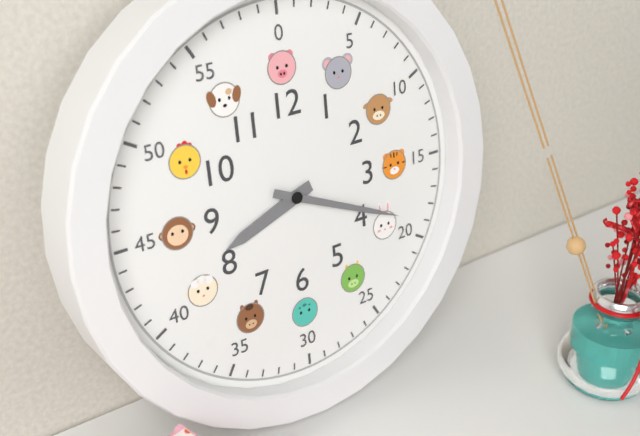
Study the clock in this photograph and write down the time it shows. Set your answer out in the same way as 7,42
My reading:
8,19
